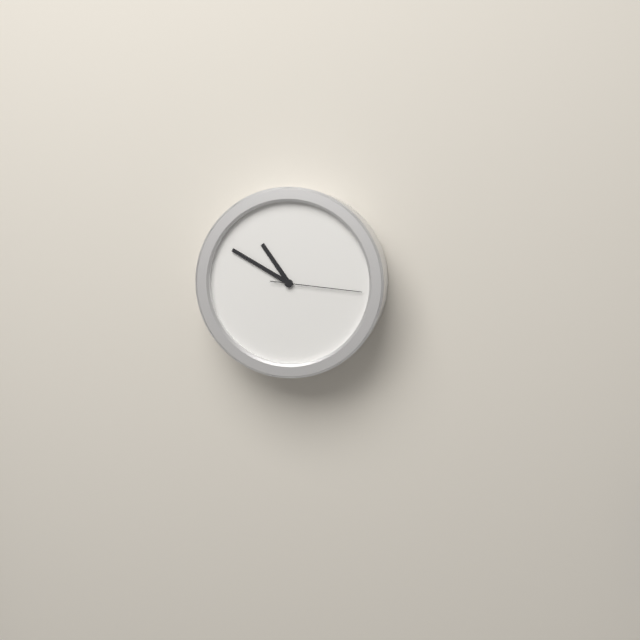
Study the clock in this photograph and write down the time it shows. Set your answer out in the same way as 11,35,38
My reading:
10,50,16
